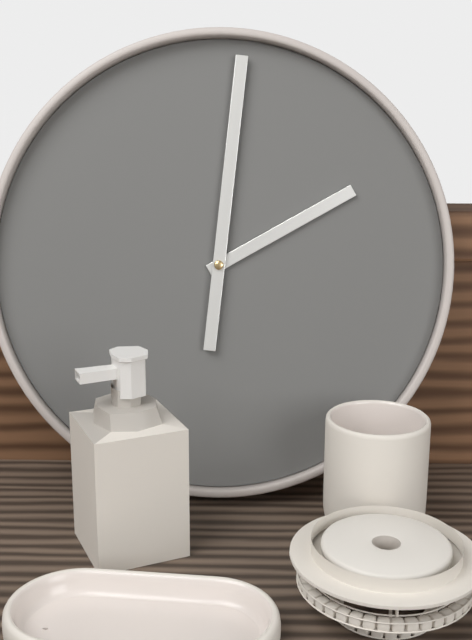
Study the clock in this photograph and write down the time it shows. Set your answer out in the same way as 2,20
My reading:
2,01
